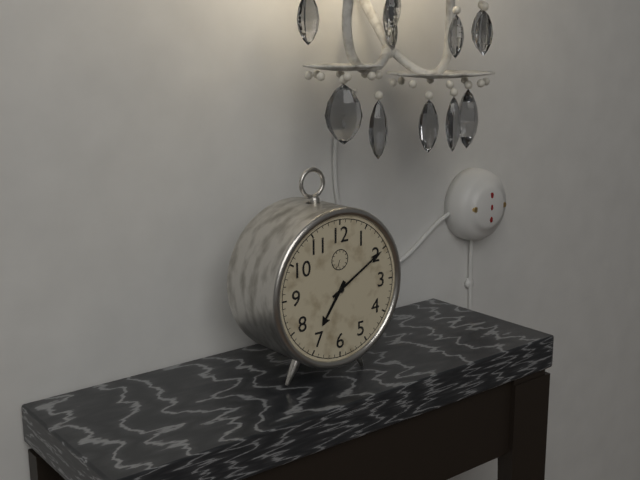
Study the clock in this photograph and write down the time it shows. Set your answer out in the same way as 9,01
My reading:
7,10
